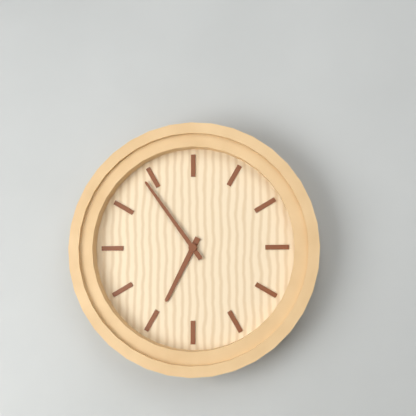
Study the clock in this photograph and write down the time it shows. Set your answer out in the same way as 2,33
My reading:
6,54
